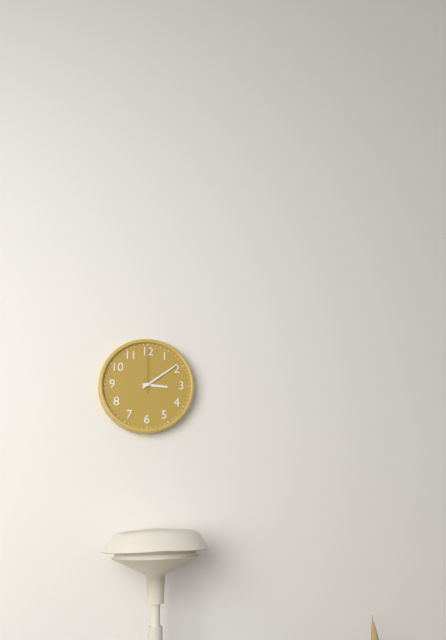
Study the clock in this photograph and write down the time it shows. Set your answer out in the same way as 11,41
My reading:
3,09
